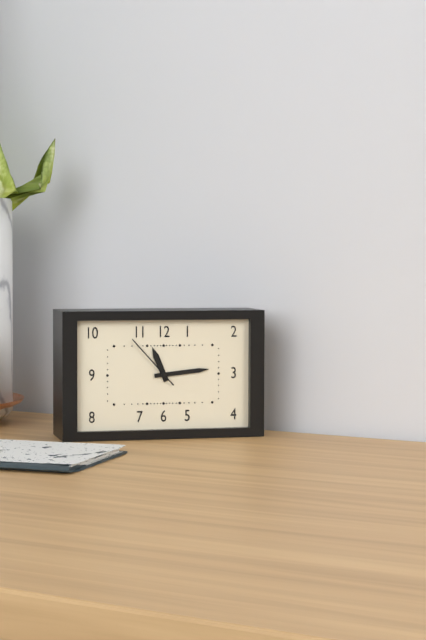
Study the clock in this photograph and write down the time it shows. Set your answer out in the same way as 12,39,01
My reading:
11,14,53
